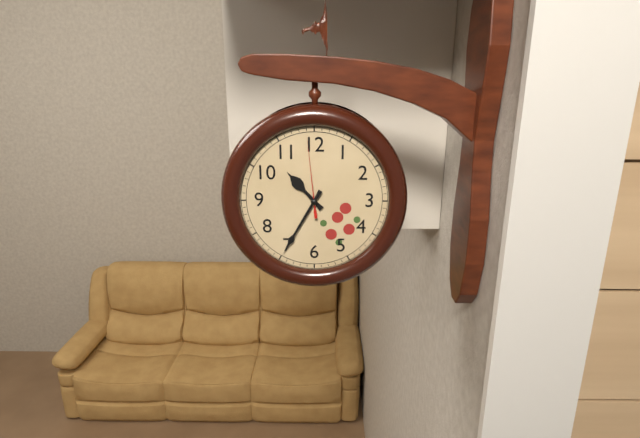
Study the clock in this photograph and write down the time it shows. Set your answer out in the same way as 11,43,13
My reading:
10,35,59
